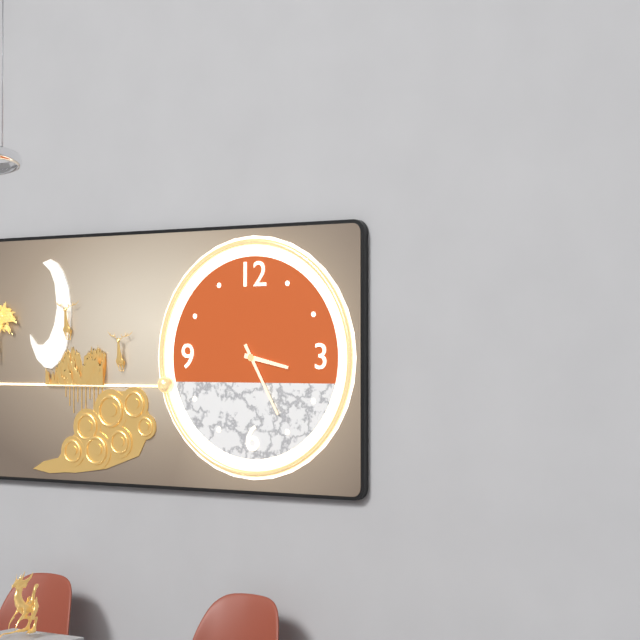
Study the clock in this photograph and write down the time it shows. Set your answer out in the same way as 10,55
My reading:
3,25
